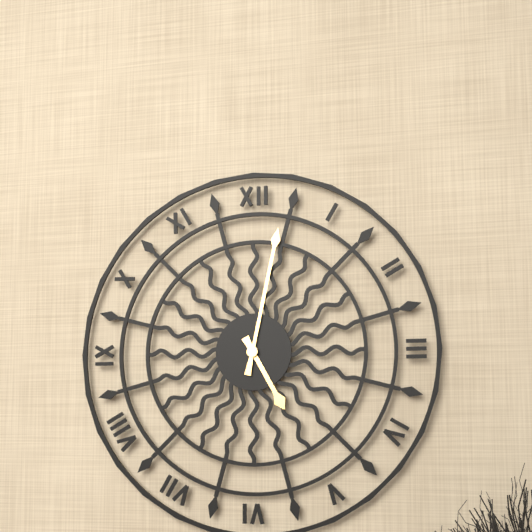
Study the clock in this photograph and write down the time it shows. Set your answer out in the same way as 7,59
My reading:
5,02
